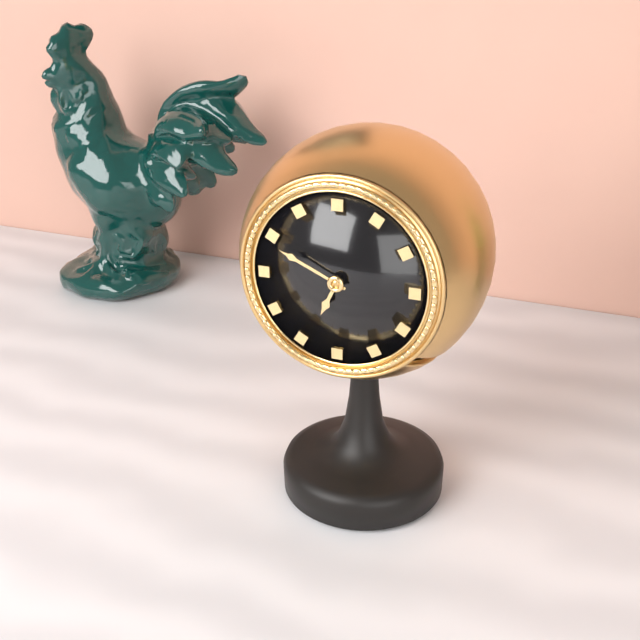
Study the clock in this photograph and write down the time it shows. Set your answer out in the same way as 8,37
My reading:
6,49
